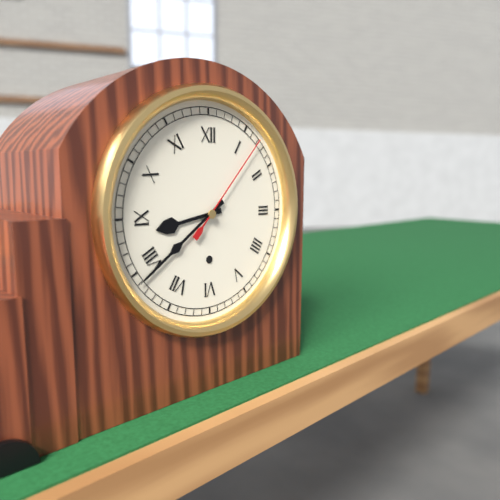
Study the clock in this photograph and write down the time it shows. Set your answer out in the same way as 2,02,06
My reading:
8,39,07
